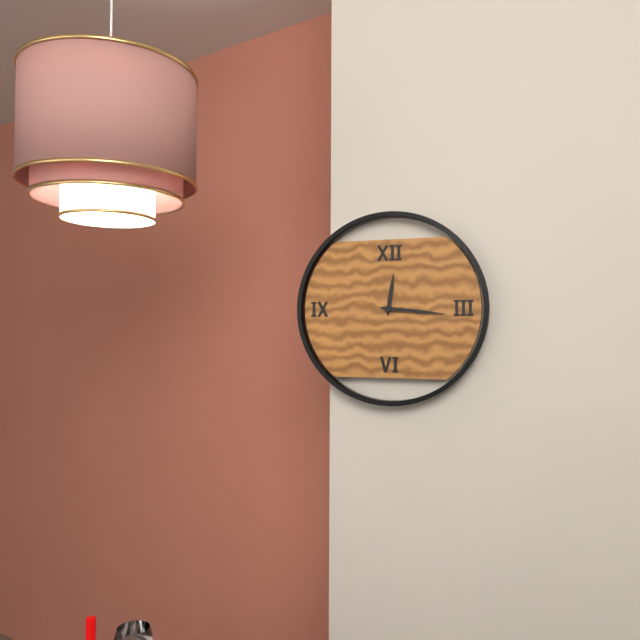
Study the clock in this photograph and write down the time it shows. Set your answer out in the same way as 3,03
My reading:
12,16
